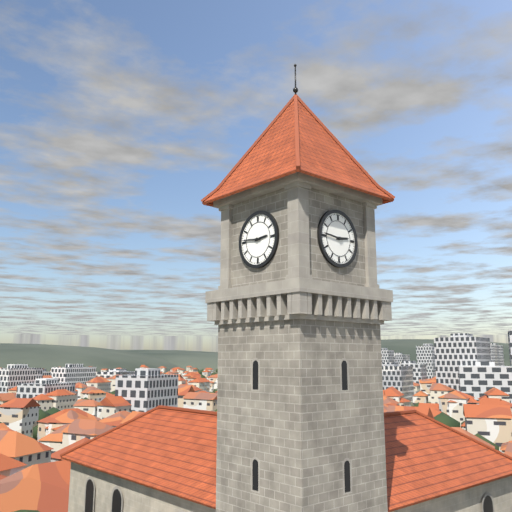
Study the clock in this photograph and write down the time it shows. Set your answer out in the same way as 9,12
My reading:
2,46
